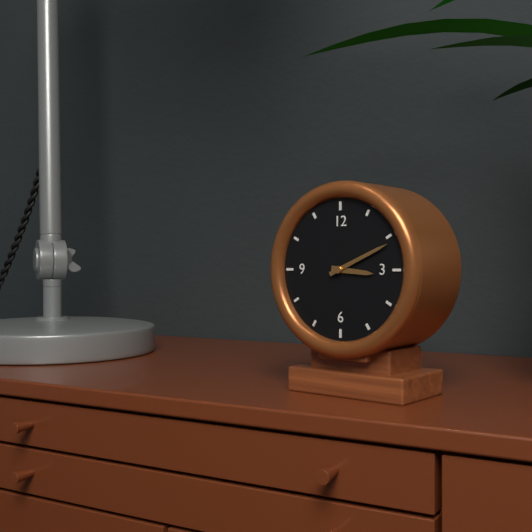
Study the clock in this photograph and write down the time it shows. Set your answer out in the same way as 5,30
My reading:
3,11
